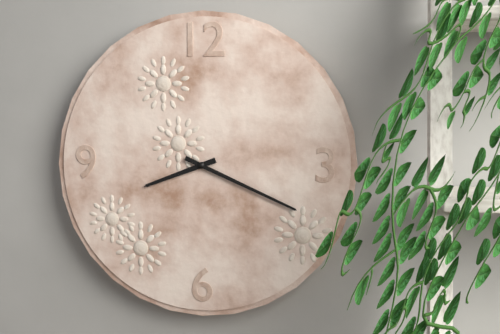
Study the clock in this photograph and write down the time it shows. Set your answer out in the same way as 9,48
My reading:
8,19
